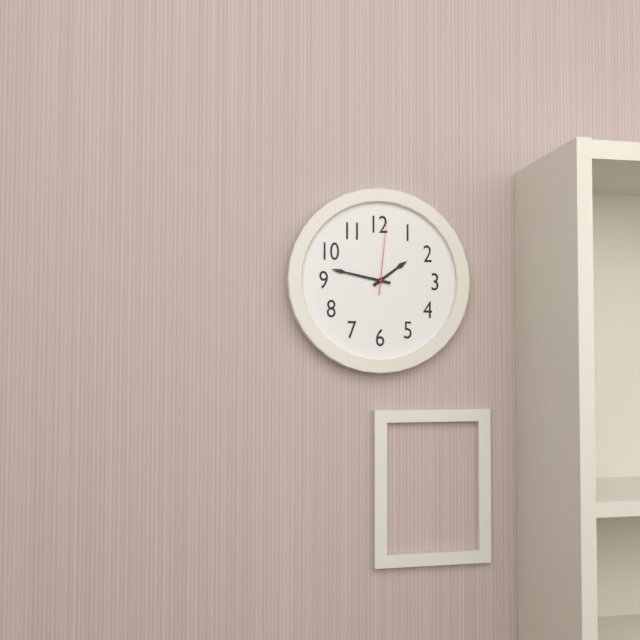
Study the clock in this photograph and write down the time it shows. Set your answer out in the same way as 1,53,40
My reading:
1,47,01
